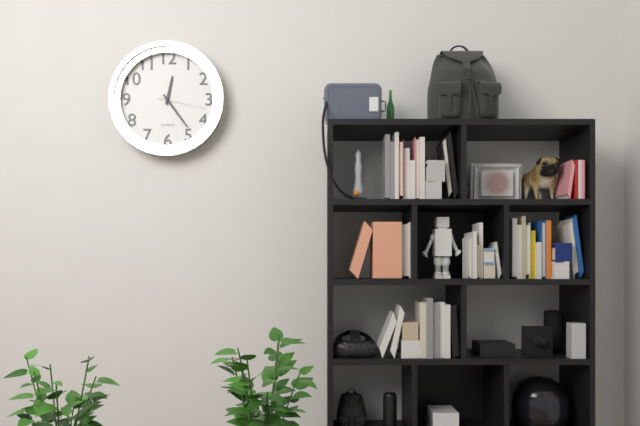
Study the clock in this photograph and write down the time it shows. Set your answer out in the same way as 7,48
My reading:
12,24
